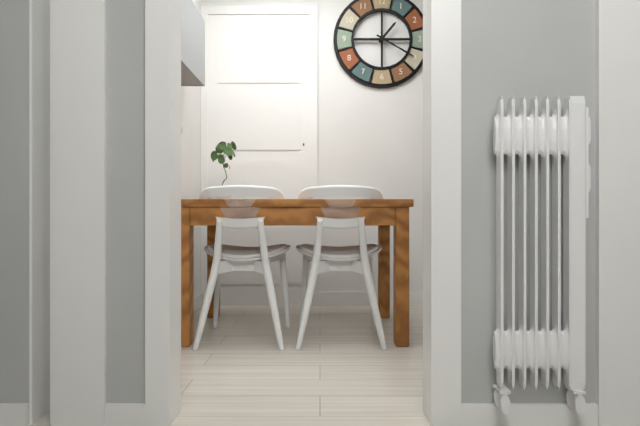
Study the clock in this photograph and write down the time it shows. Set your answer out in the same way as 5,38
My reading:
1,20
